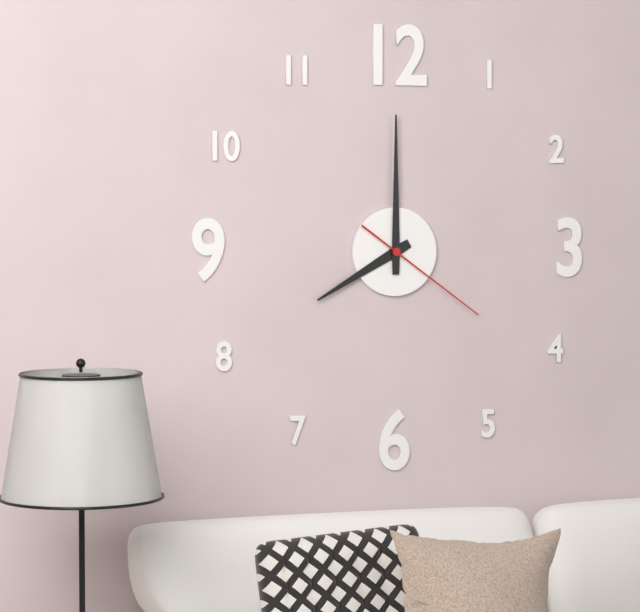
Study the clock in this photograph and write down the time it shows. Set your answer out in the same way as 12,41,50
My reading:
8,00,21
